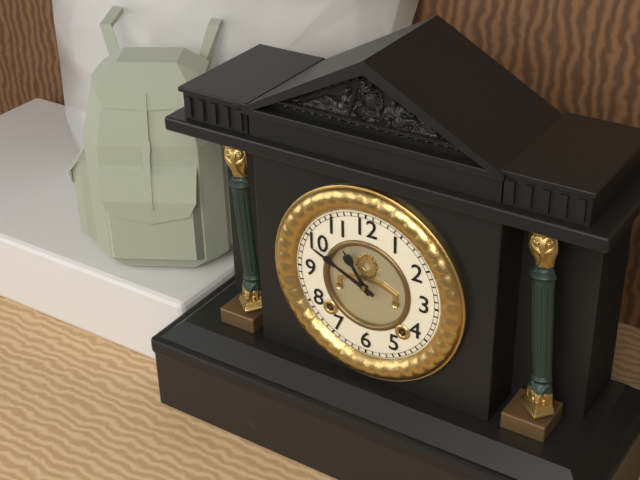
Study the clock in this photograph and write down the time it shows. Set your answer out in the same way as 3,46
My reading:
10,49
